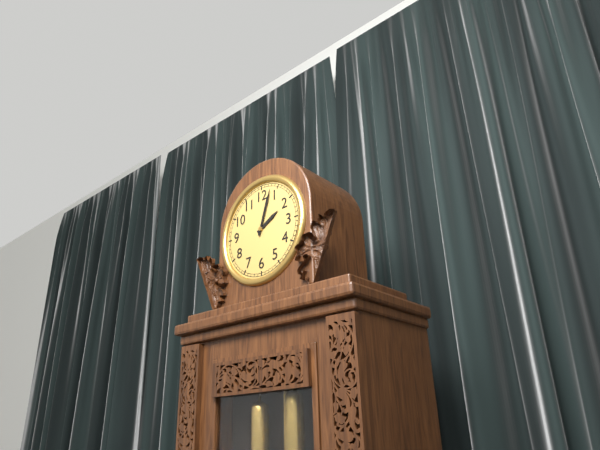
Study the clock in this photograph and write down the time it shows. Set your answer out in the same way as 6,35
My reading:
2,03
